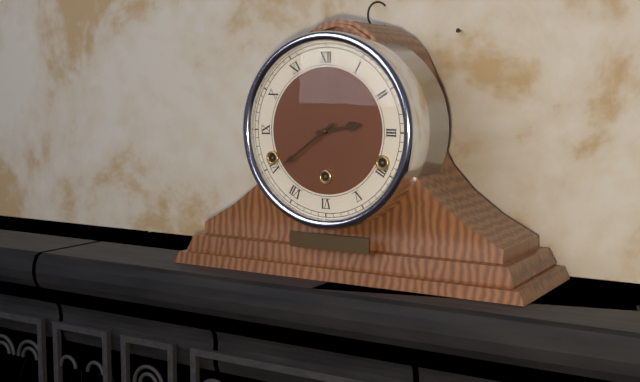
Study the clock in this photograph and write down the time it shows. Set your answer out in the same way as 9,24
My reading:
2,39
